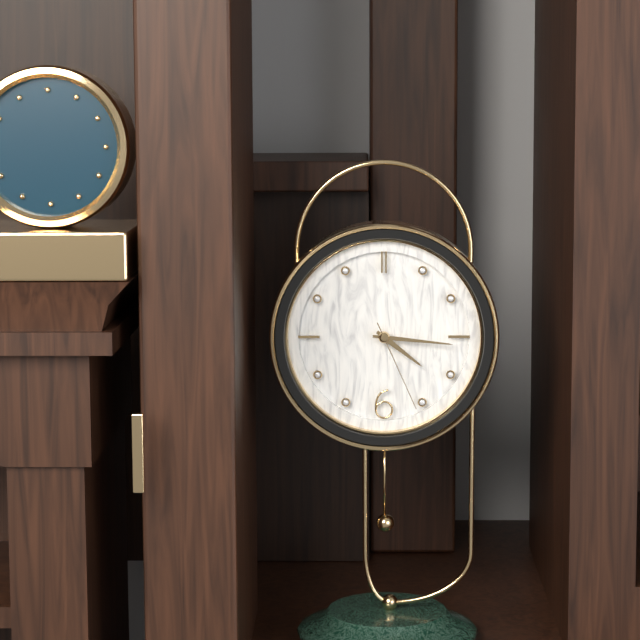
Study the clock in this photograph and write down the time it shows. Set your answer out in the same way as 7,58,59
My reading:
4,16,26
